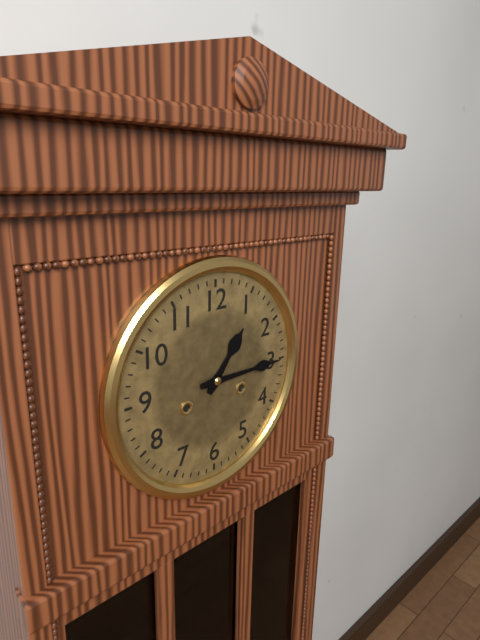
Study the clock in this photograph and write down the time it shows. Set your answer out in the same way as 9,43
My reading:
1,15
